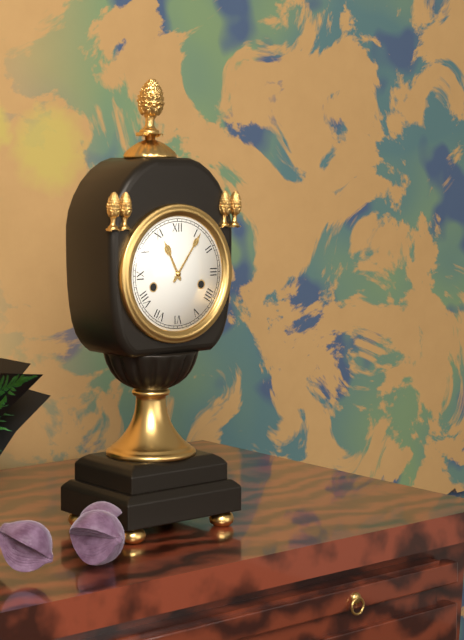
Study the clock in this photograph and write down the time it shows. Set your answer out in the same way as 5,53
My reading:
11,06
